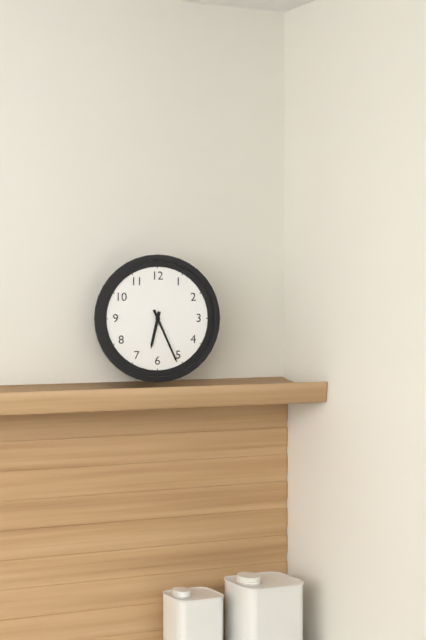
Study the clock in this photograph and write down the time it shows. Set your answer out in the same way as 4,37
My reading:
6,26
